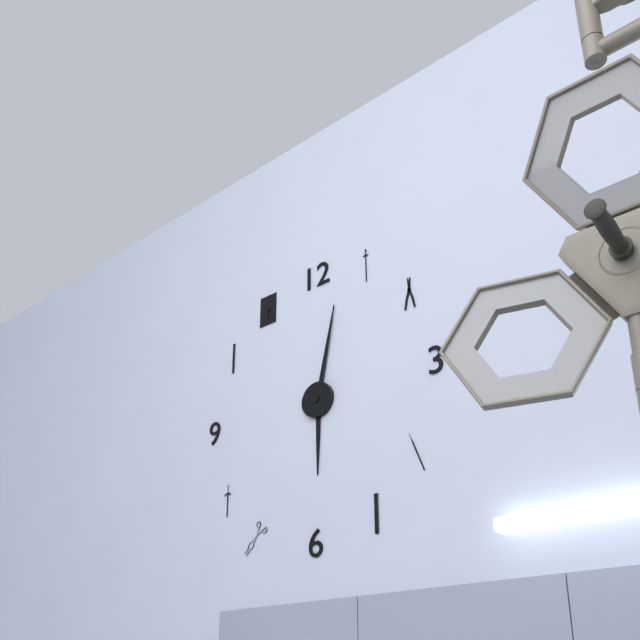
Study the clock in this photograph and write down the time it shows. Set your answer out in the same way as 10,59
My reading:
6,02
